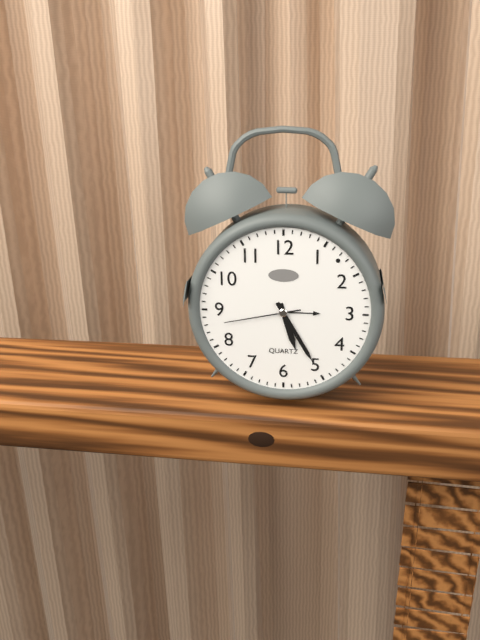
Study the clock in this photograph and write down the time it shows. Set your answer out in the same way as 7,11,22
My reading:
5,25,43
